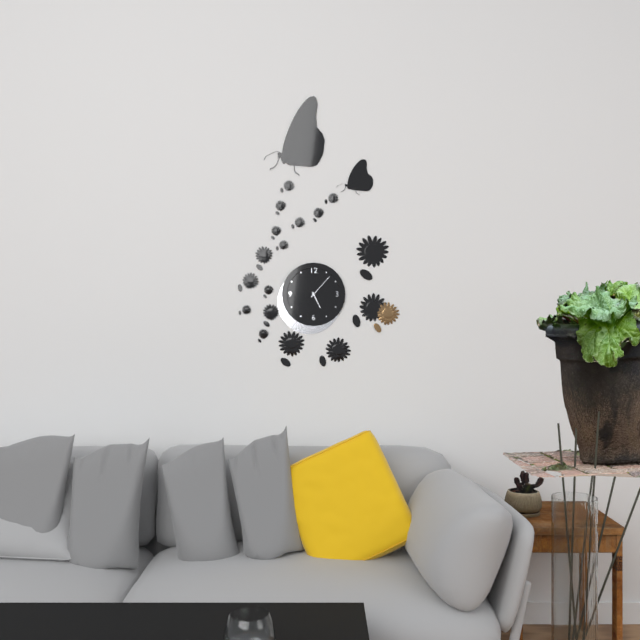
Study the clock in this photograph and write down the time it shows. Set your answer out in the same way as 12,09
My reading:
5,07
